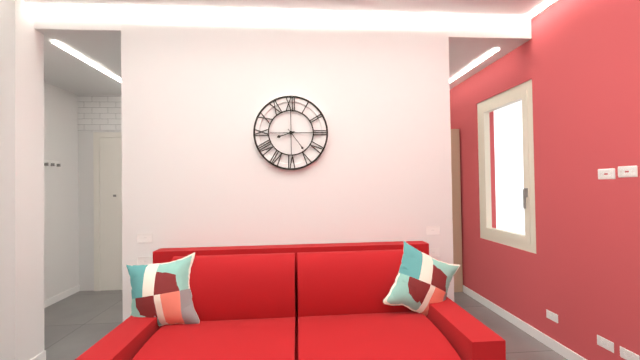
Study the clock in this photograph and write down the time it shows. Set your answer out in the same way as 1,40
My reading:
8,24
